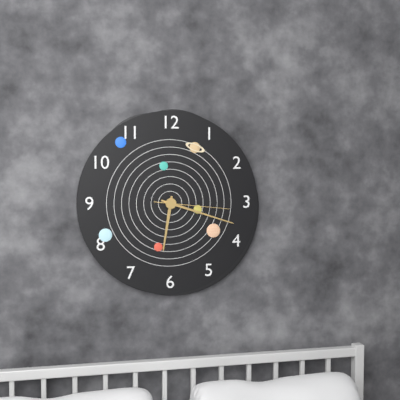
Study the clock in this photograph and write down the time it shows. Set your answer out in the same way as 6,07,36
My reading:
6,18,16
